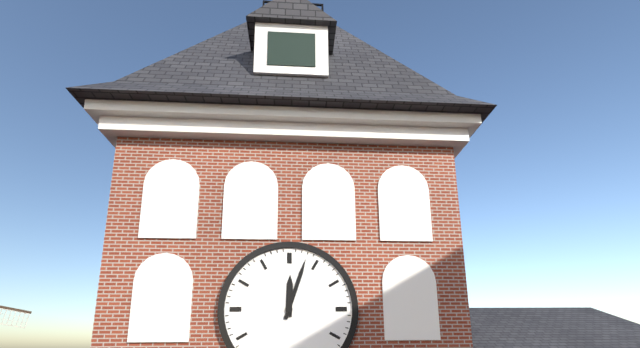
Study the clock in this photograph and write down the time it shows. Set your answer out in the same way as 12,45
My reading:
12,03
